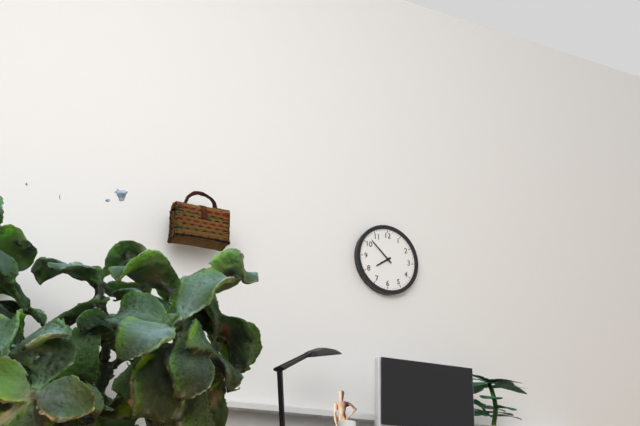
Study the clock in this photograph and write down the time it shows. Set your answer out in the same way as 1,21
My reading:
7,52
